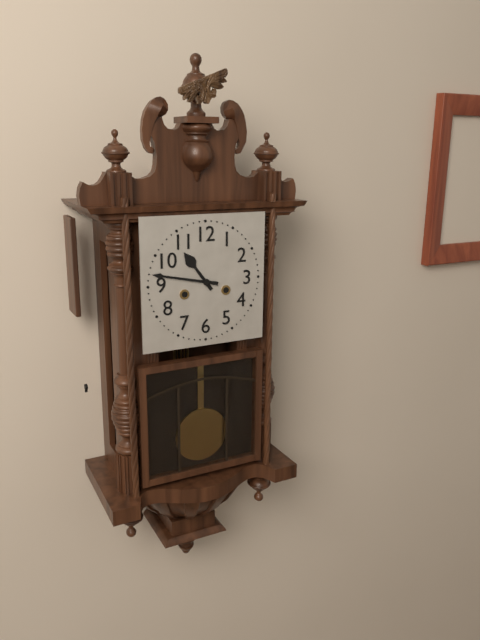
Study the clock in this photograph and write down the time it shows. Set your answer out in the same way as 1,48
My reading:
10,47
